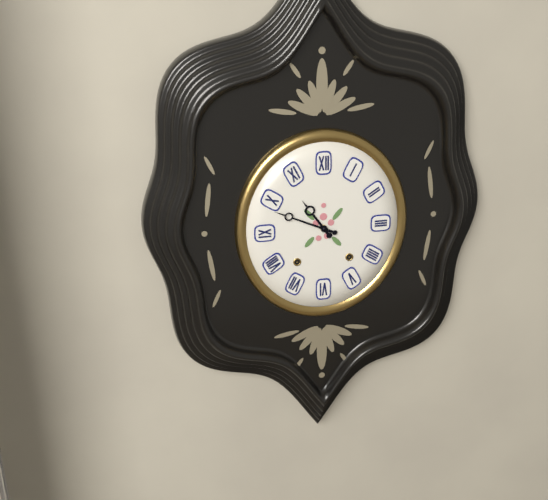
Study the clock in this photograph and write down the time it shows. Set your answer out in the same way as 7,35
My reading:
10,49
